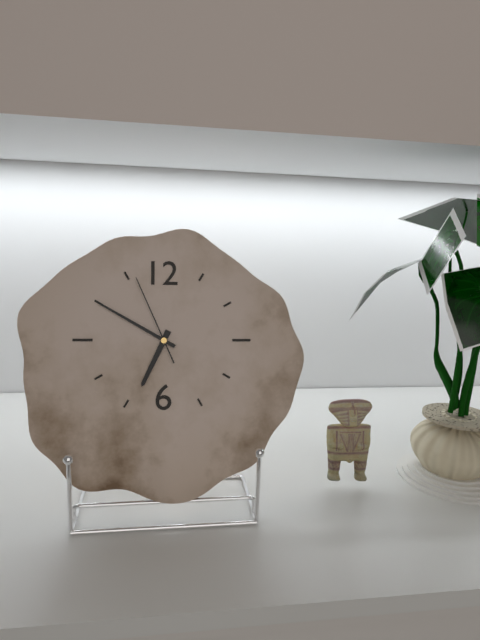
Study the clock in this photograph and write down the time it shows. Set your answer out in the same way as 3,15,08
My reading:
6,50,56
